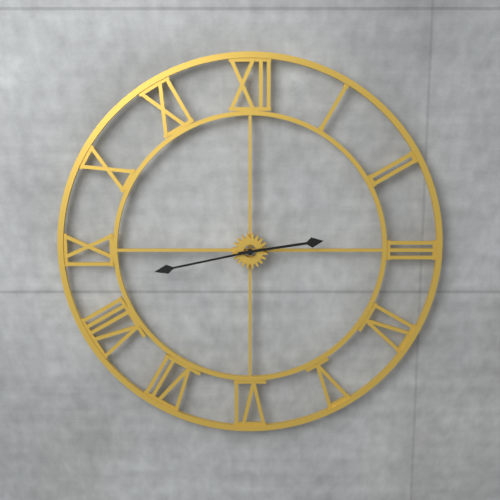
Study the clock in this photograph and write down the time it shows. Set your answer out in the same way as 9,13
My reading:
2,43
